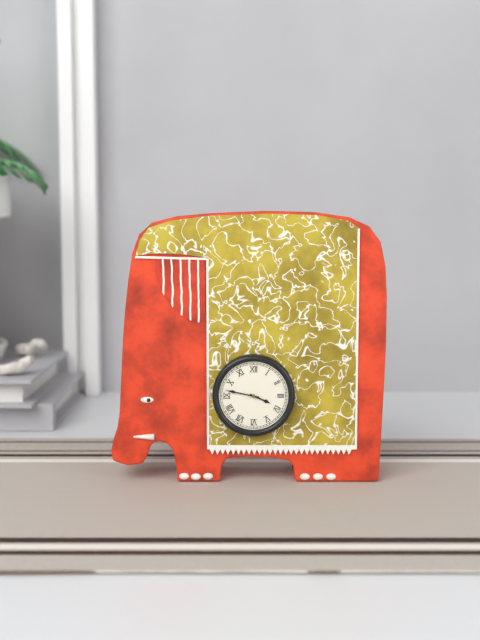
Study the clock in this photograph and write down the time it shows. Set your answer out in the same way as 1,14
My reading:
3,47
